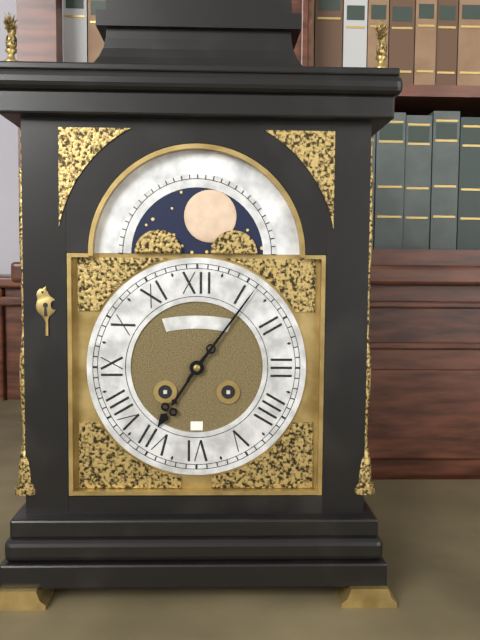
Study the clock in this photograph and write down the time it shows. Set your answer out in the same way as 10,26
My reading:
7,06
